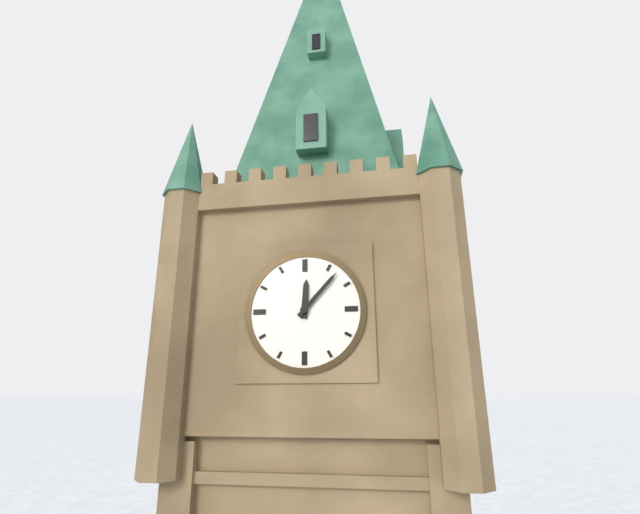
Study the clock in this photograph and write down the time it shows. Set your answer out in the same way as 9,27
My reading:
12,07
